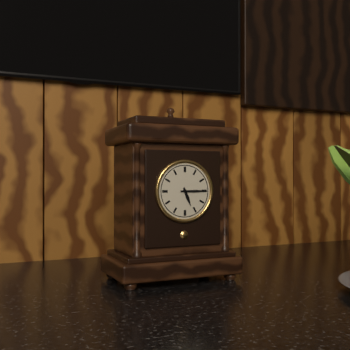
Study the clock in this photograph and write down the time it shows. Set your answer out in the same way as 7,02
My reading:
5,15
